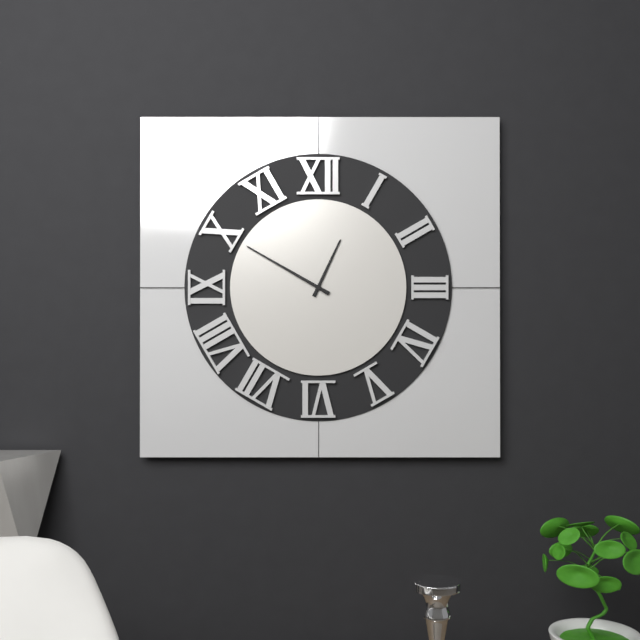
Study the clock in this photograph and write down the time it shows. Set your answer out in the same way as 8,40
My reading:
12,50
